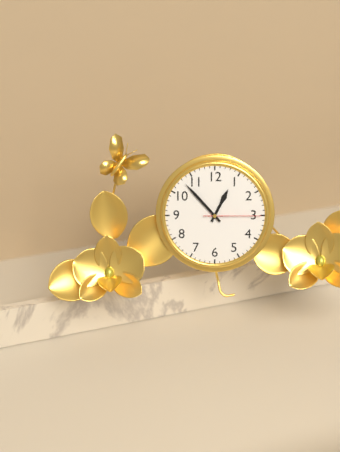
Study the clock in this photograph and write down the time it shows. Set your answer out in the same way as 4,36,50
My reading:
12,53,15
